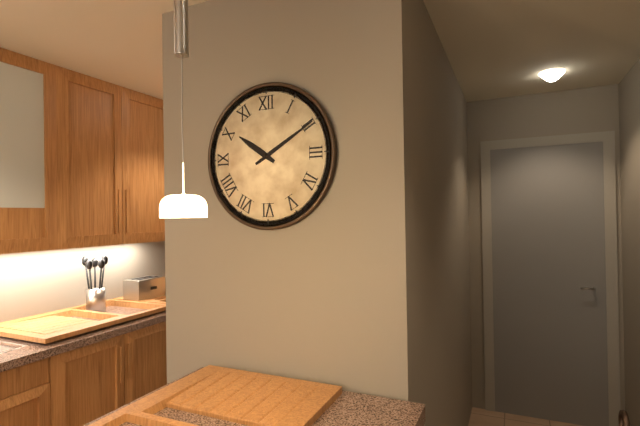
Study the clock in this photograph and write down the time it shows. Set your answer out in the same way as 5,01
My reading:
10,10
